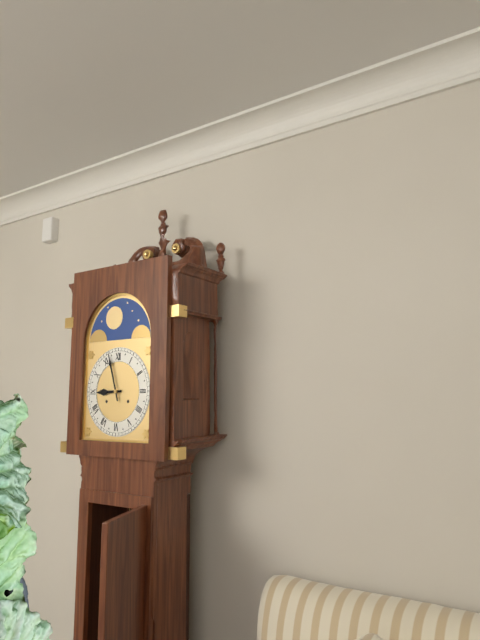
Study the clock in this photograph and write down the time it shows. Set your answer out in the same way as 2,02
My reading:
8,57
